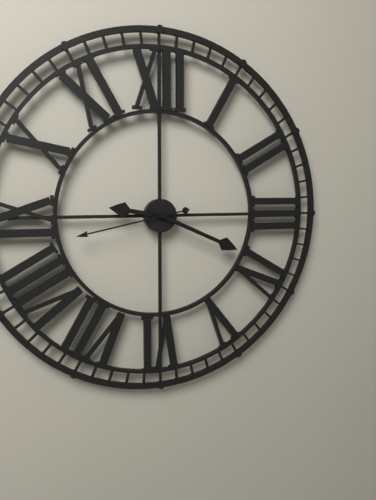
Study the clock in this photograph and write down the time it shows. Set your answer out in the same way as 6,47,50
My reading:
9,19,43
